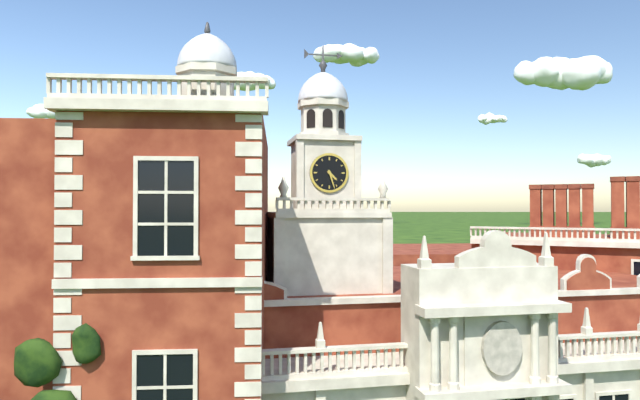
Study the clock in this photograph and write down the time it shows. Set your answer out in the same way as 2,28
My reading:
4,27
